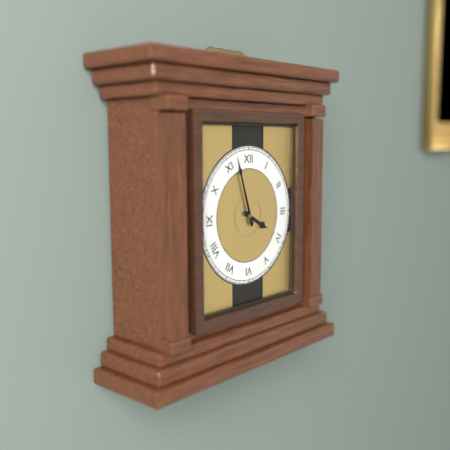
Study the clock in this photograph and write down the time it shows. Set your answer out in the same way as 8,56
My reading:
3,57
